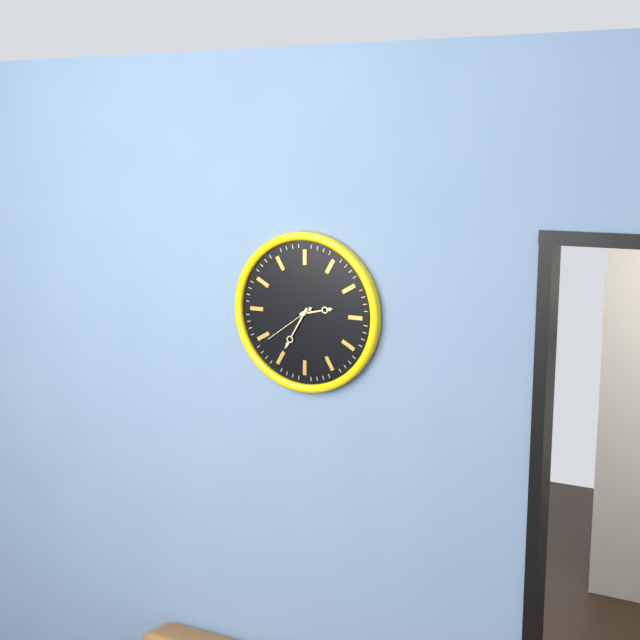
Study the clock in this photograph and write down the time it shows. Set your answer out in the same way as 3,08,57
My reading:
2,35,39
